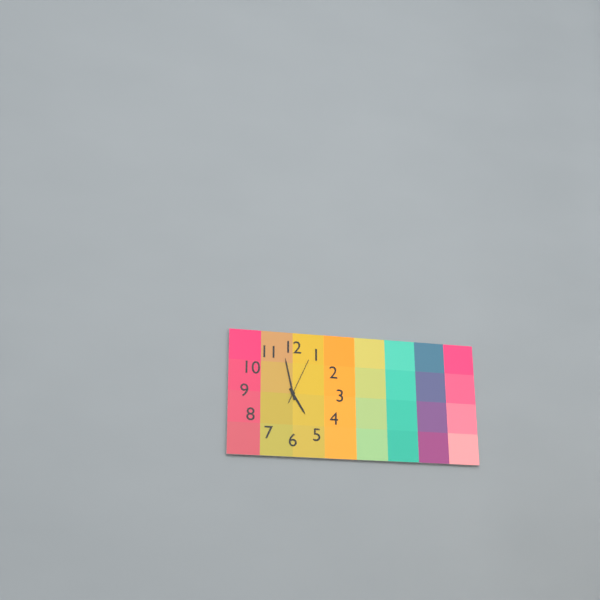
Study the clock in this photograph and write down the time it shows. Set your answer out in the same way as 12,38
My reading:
4,58
